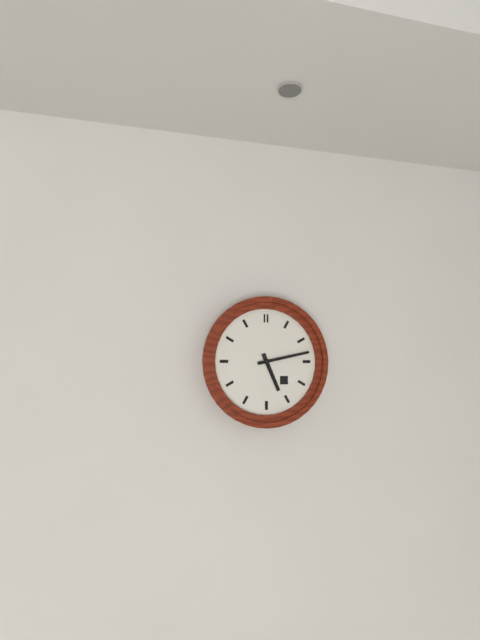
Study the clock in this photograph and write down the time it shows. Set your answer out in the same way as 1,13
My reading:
5,13
